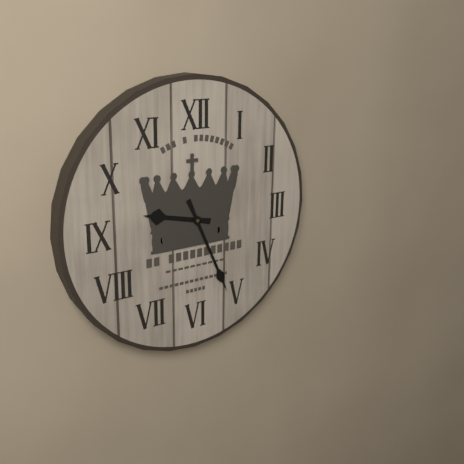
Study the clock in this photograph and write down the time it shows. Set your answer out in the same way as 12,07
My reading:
9,26
